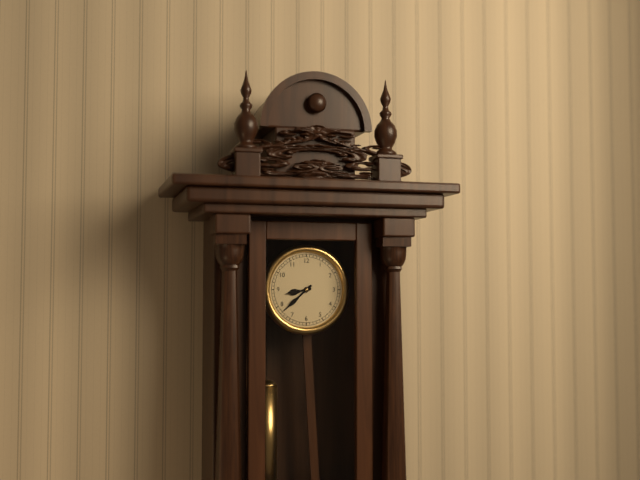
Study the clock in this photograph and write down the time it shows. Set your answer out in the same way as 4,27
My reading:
8,38
